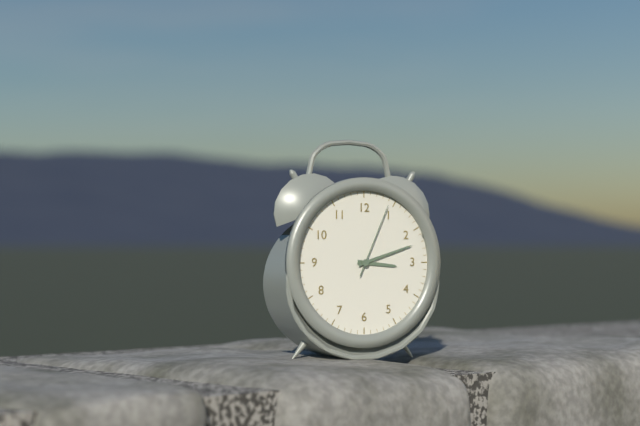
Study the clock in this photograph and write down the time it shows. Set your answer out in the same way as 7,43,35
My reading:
3,12,04
